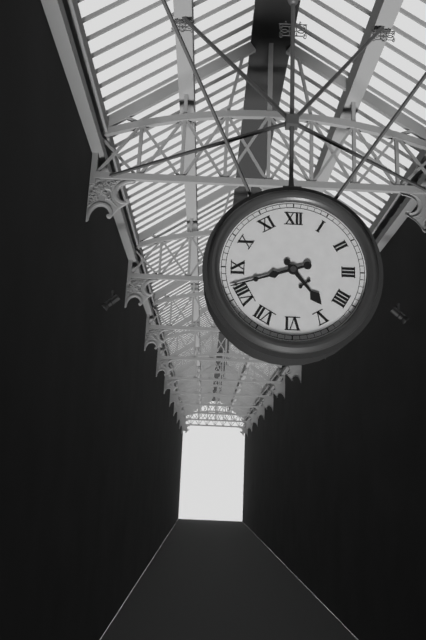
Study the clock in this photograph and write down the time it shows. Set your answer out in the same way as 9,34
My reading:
4,42
